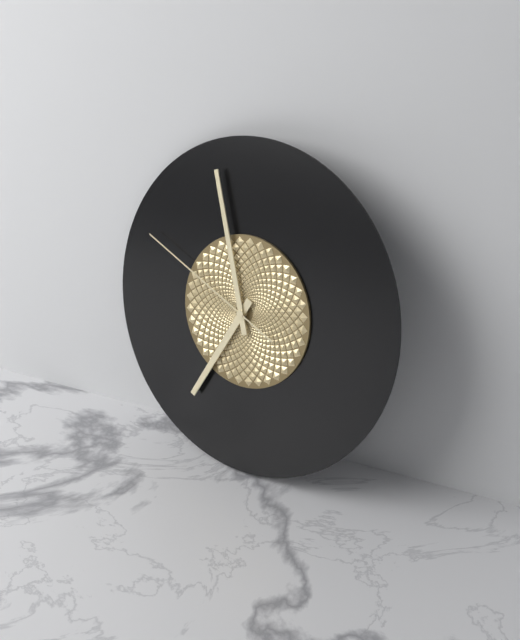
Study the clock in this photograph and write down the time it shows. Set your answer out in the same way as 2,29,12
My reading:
6,57,49
